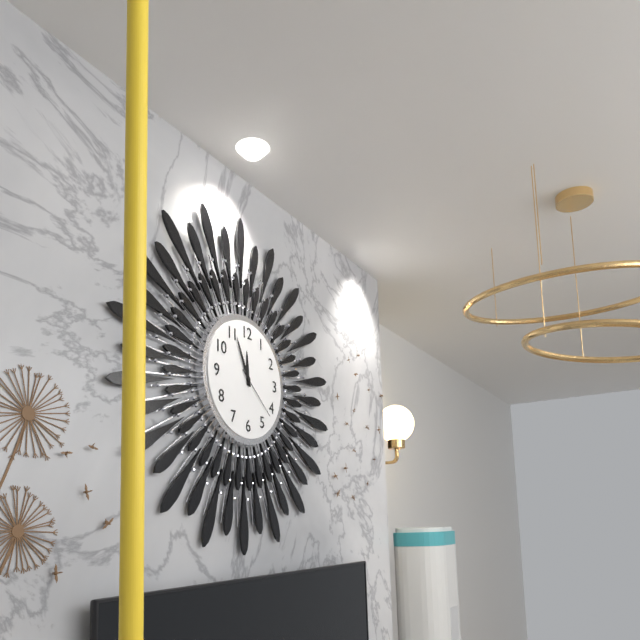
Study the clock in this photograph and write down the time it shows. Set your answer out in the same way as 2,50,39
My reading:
11,56,22
